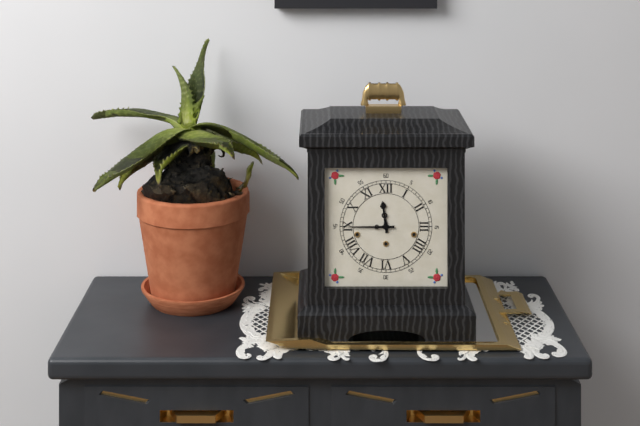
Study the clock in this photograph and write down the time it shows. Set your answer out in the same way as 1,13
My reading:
11,45
